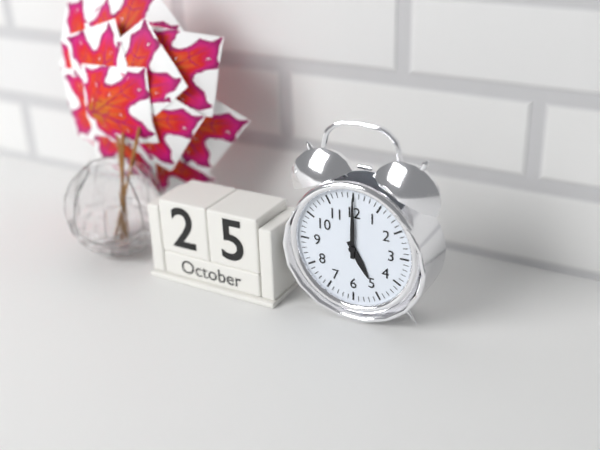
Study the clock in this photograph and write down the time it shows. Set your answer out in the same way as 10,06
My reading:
5,00
